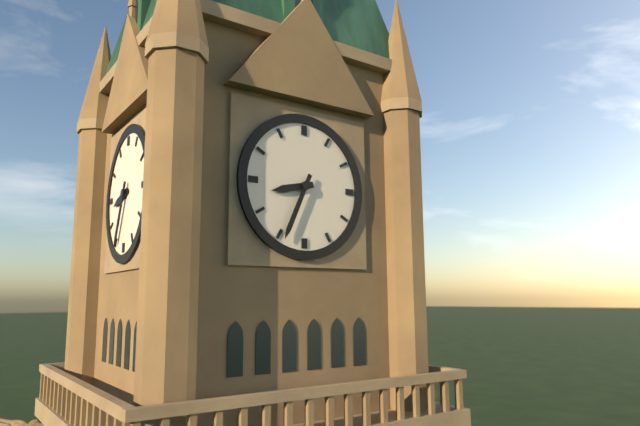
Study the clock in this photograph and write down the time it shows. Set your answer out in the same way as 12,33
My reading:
8,34
